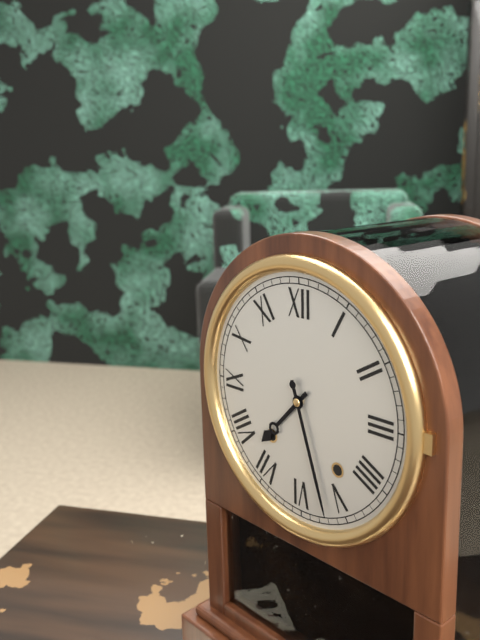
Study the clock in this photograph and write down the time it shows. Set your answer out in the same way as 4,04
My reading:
7,27
